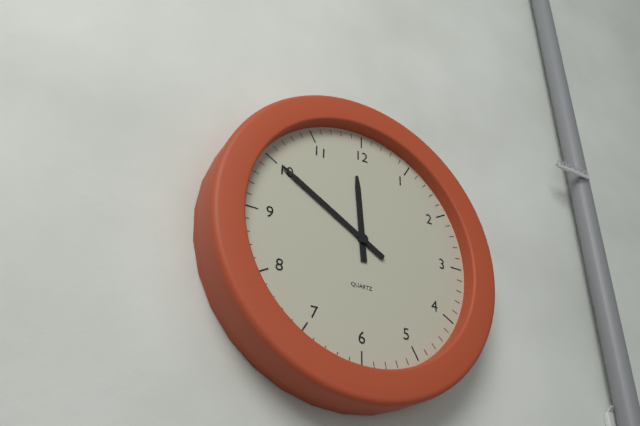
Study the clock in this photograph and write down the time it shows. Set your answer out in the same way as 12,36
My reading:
11,50
